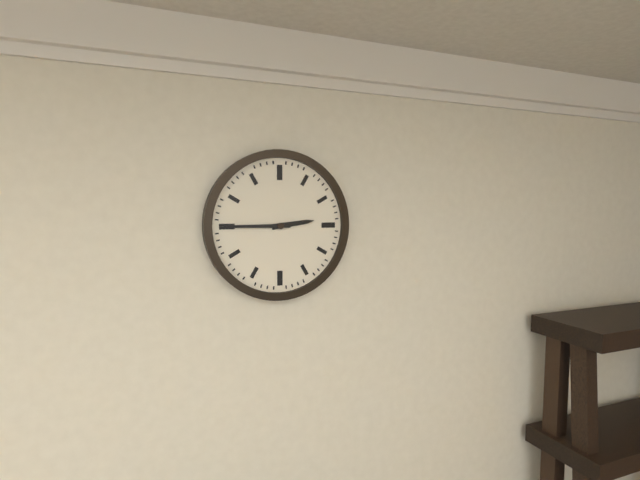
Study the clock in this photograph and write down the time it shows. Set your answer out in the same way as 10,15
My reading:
2,45
